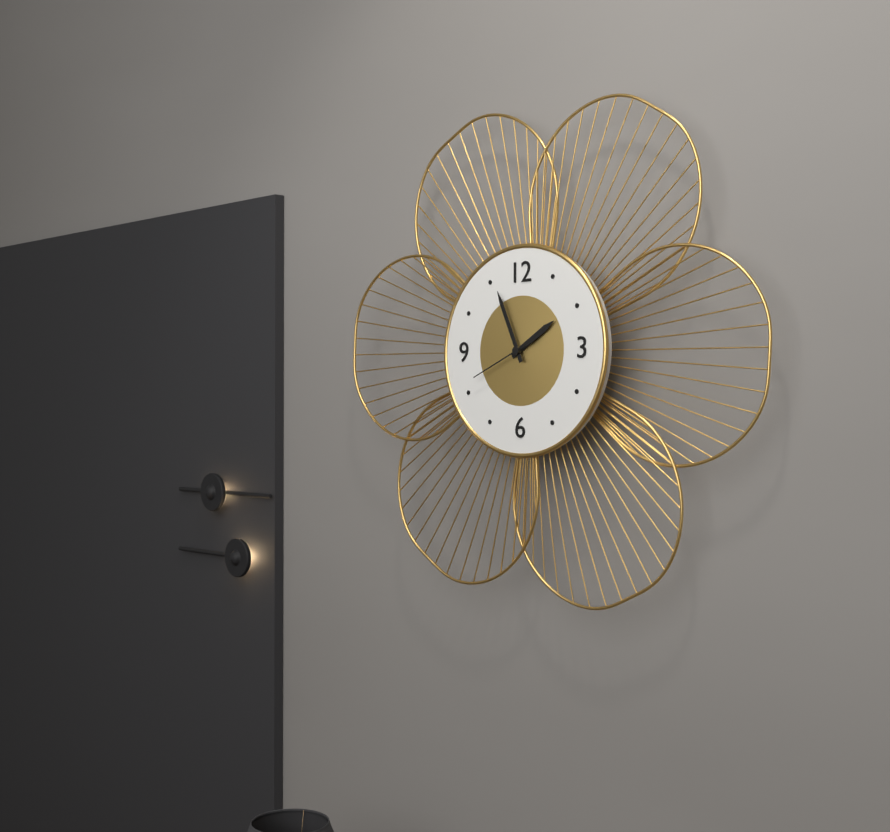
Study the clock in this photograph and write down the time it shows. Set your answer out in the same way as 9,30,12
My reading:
1,56,41
